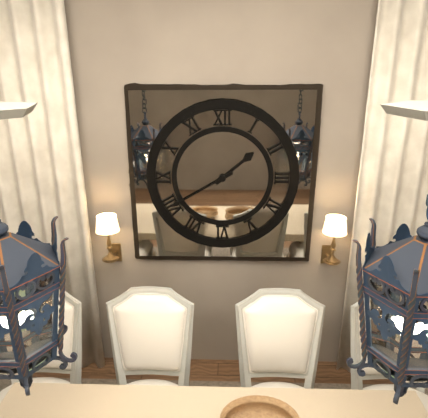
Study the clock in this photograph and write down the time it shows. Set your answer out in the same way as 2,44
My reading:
1,40
